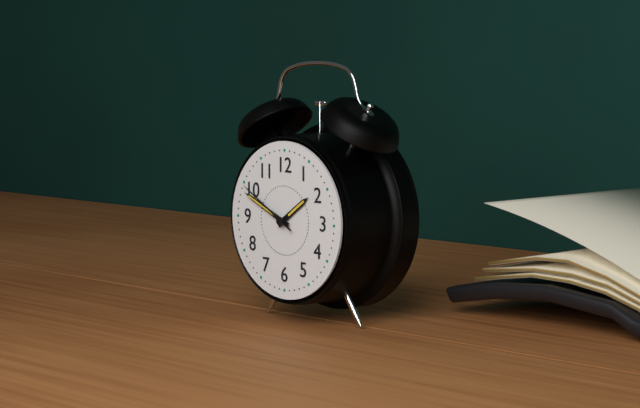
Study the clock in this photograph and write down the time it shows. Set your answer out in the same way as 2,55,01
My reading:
1,49,50
